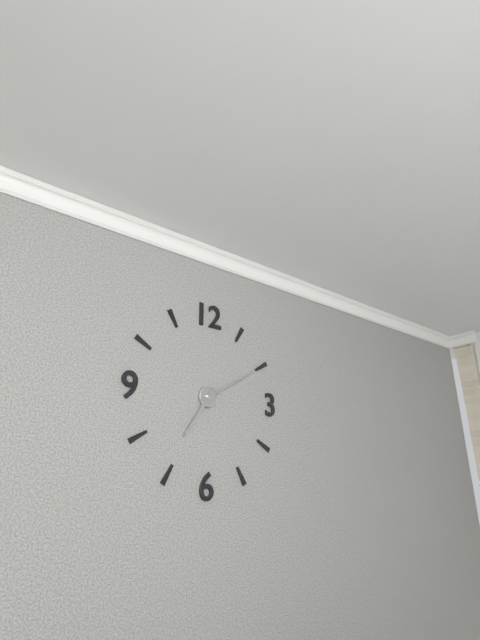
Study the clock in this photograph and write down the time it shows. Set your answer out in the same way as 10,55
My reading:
7,10
